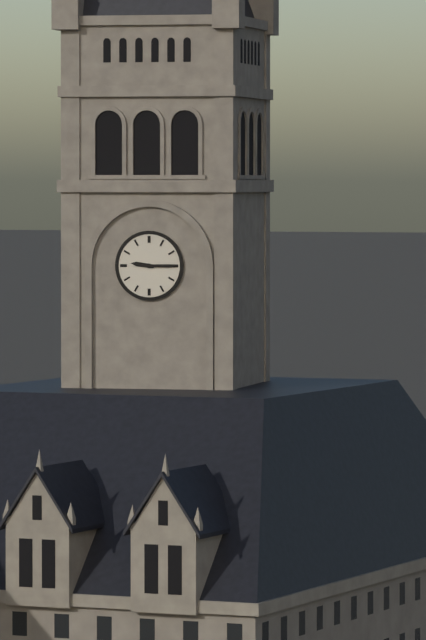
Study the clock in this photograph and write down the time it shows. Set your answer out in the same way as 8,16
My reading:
9,15
